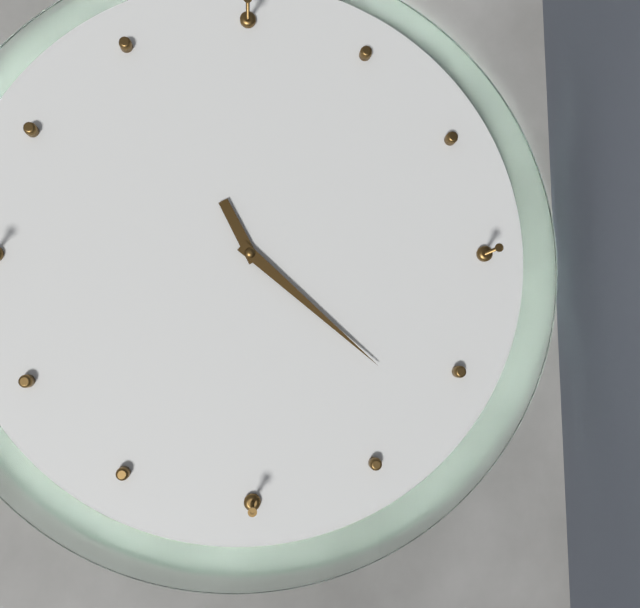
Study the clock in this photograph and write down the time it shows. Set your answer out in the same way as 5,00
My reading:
8,07
